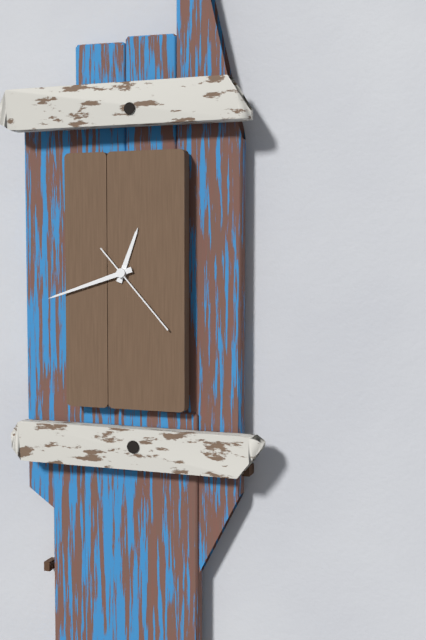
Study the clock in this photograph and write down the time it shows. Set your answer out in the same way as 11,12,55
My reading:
12,42,23
